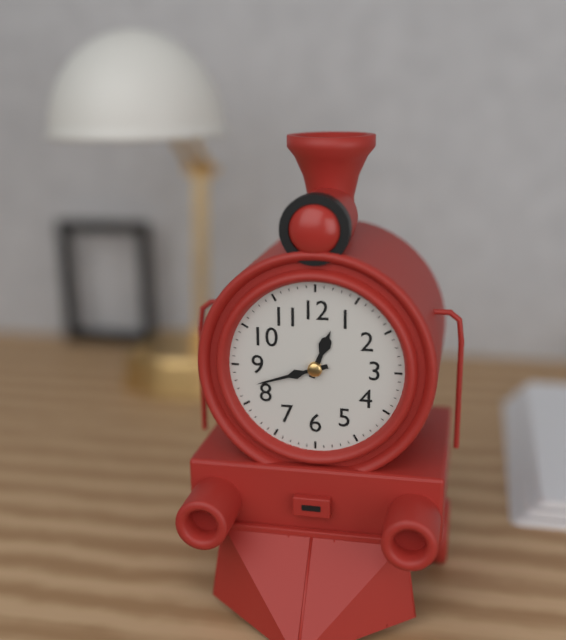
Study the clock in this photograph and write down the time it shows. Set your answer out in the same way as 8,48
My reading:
12,42
